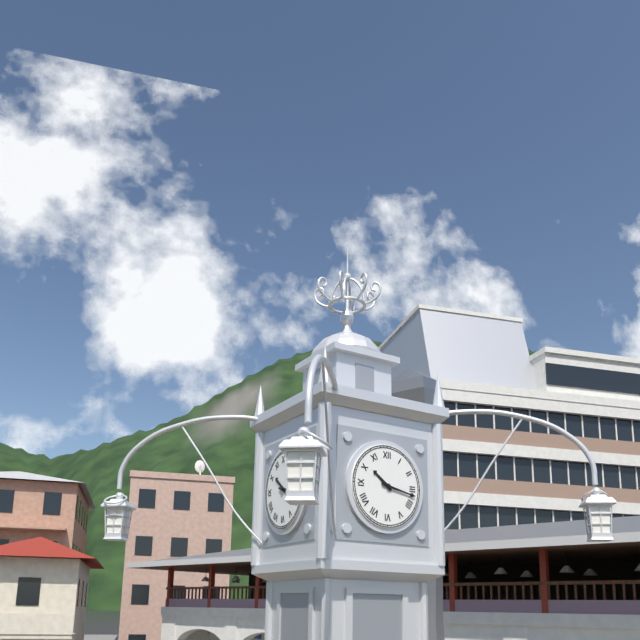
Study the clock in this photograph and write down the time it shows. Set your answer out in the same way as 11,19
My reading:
10,17
